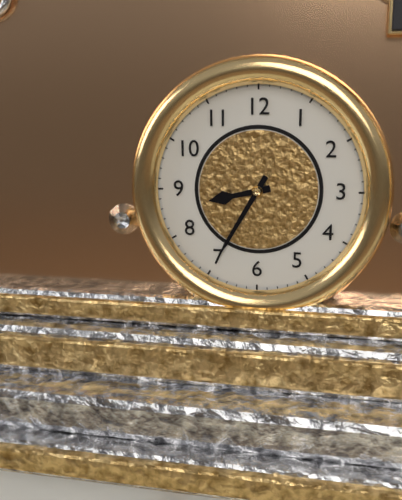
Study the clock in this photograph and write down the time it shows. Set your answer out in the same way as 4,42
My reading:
8,35
